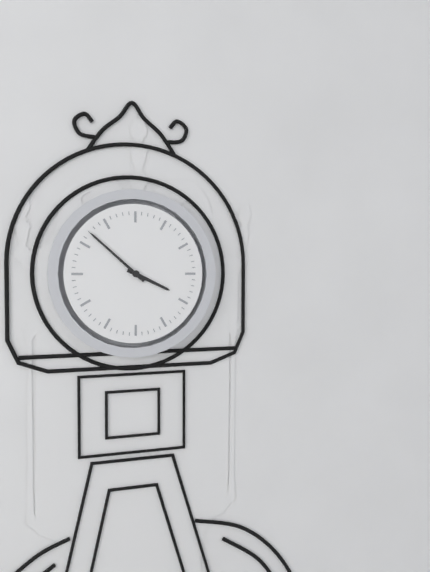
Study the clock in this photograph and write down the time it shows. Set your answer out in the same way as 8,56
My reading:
3,52
